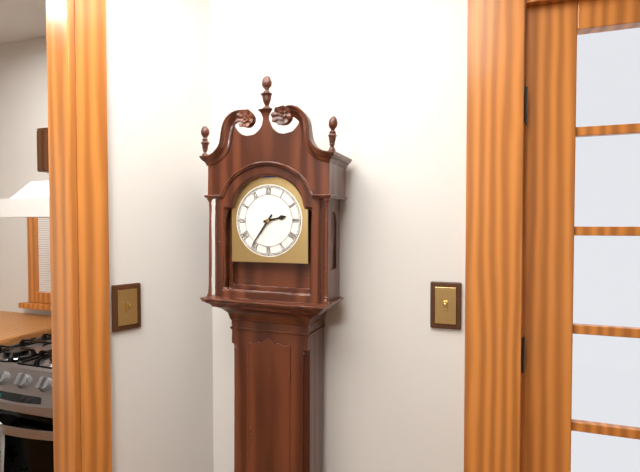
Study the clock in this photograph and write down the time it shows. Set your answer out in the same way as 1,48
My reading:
2,36
